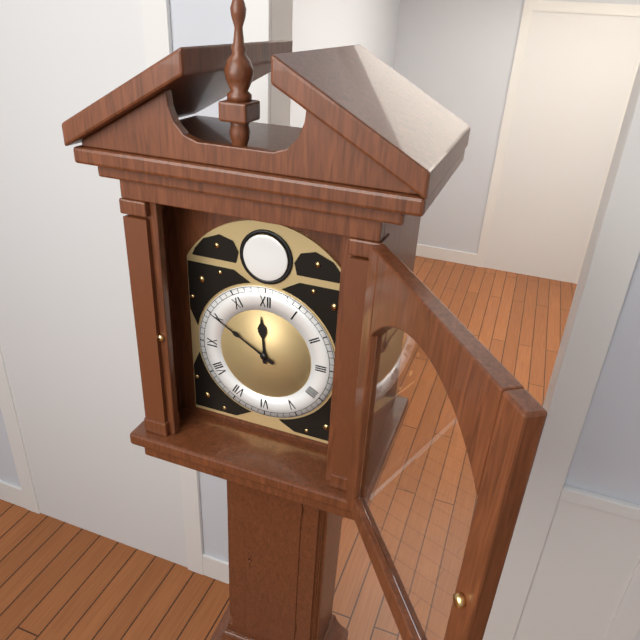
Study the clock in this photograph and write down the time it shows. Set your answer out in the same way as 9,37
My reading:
11,50
